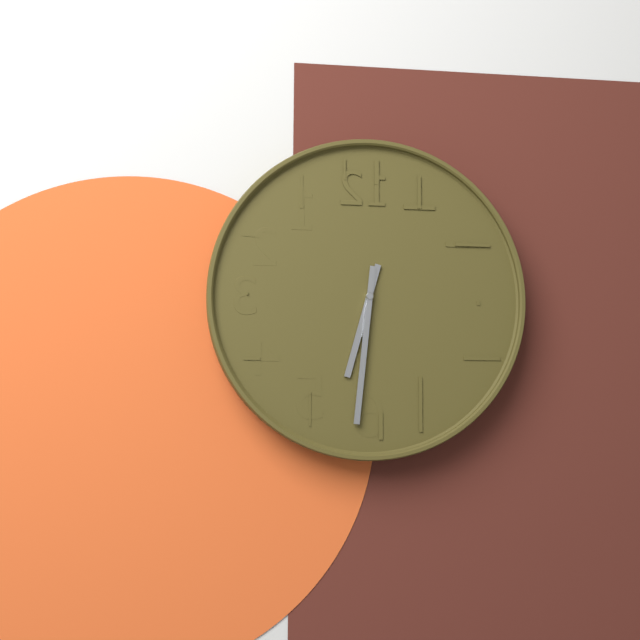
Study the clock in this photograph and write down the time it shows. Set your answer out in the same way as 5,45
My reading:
6,31
